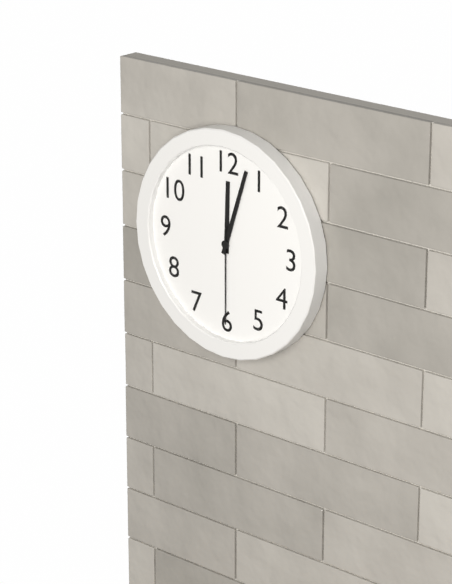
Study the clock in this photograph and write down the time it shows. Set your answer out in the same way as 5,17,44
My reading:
12,03,30
